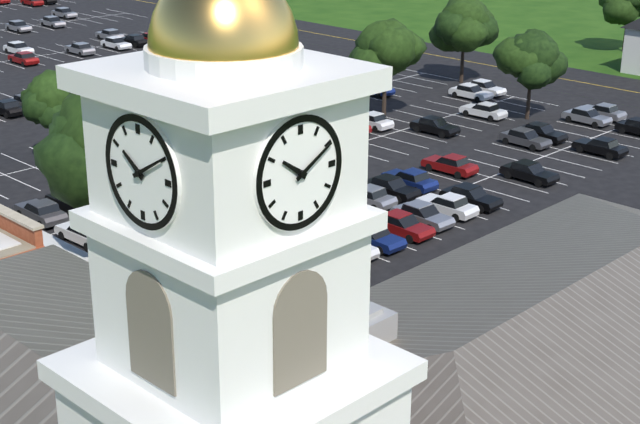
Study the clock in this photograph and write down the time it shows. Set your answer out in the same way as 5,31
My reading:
10,10
